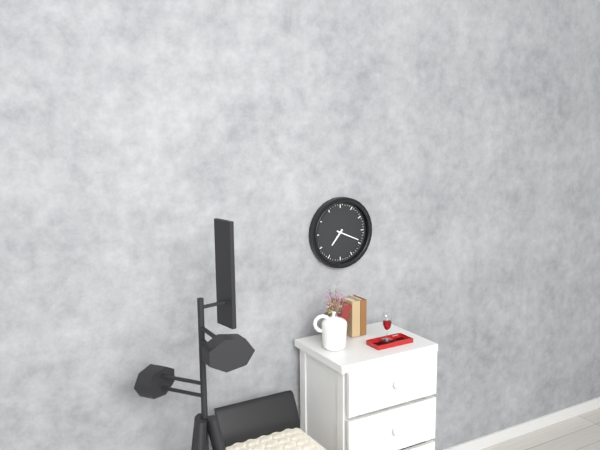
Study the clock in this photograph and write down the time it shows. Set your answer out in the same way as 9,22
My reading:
7,19
